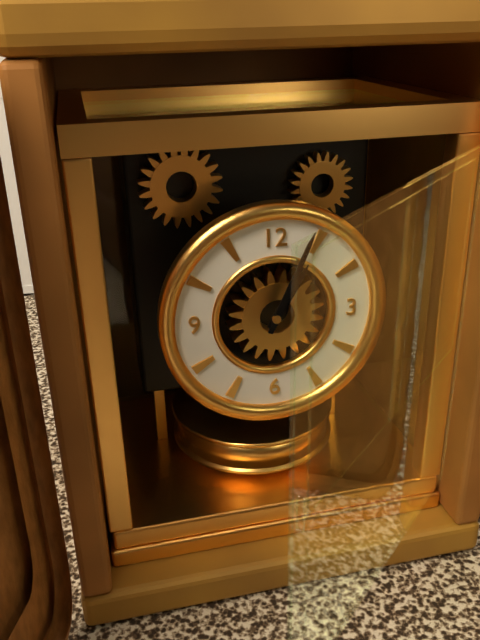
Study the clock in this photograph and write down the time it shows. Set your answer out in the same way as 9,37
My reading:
1,04
